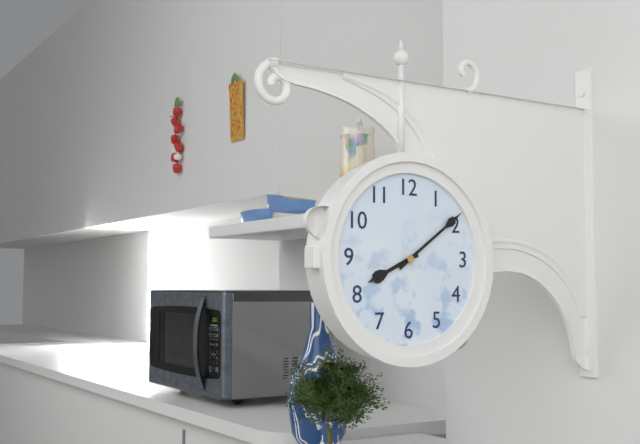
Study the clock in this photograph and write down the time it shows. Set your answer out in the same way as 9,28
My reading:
8,09
